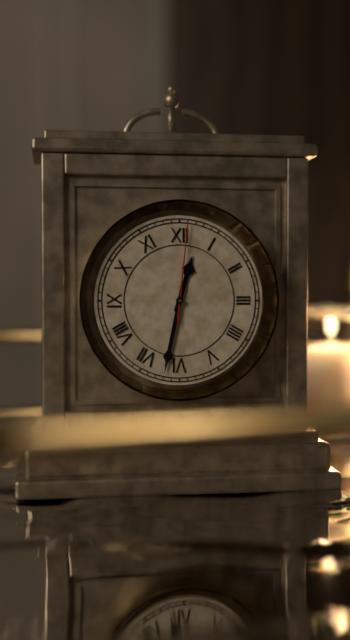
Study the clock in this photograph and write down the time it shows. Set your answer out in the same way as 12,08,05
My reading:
12,32,01
